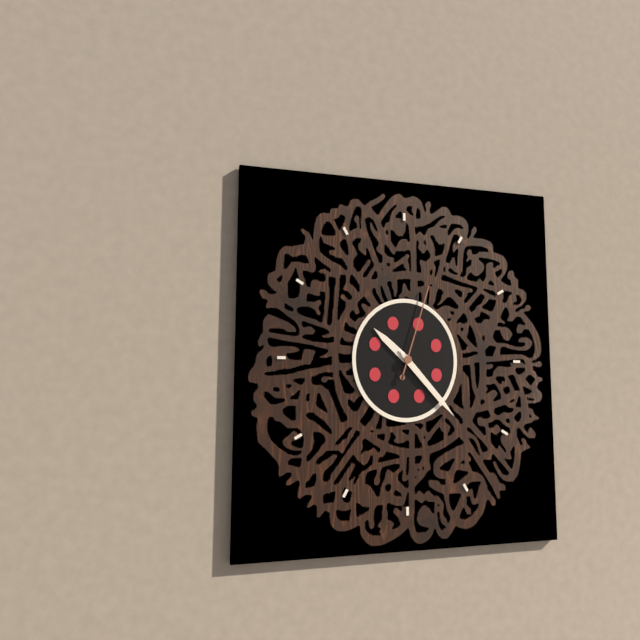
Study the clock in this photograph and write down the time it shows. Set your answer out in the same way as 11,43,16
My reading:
10,23,03
